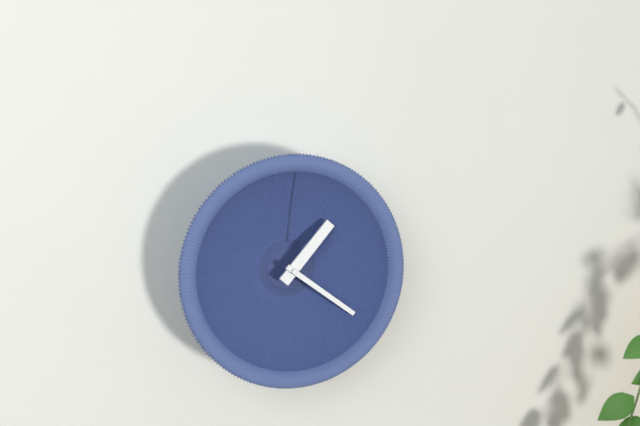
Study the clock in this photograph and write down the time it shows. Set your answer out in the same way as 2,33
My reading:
1,21
